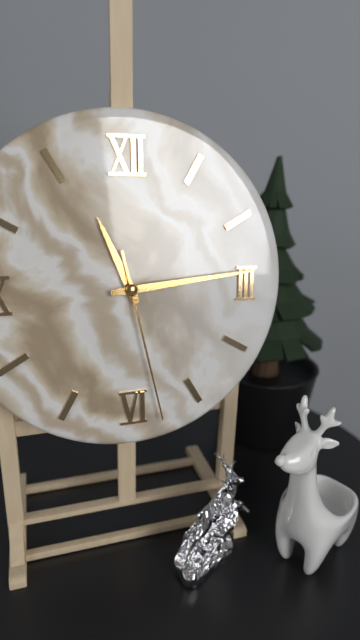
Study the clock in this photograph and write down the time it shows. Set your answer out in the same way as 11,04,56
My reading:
11,14,28
